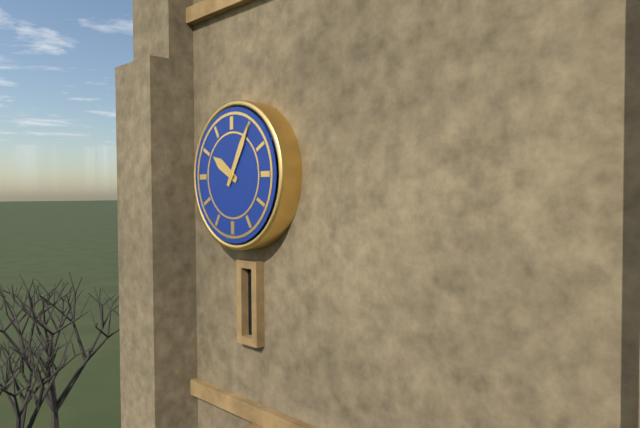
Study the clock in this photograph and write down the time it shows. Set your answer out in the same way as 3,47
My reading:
10,05
